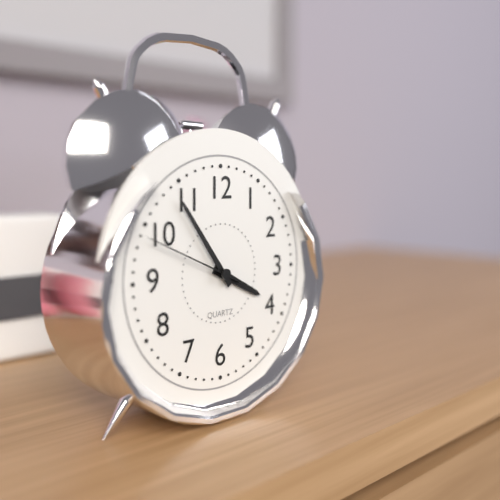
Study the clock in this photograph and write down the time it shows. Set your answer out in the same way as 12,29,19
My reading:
3,54,49
